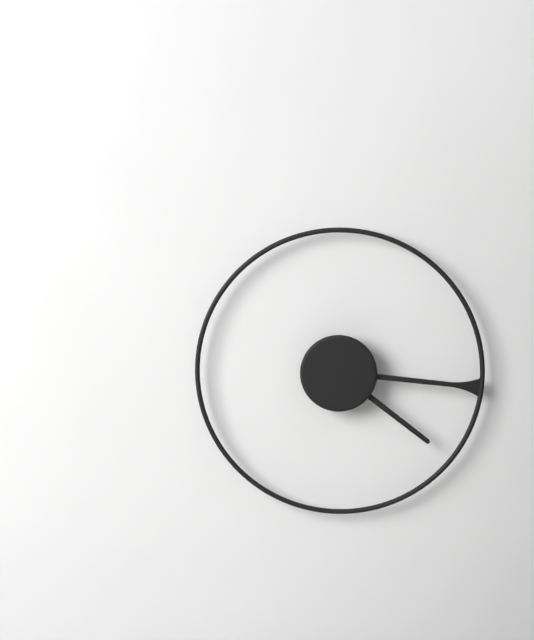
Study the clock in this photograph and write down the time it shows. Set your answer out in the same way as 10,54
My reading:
4,16
